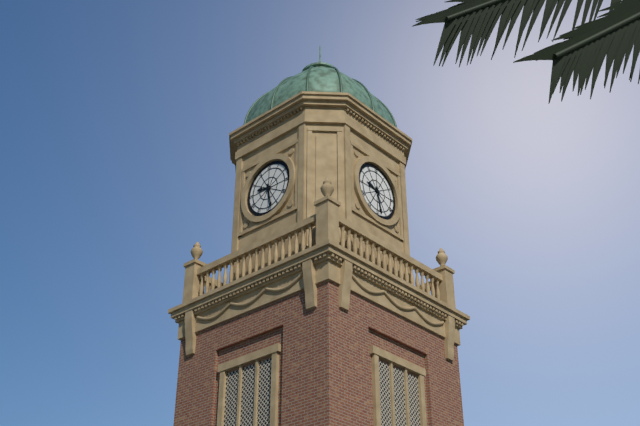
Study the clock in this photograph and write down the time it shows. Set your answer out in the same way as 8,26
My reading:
9,28
